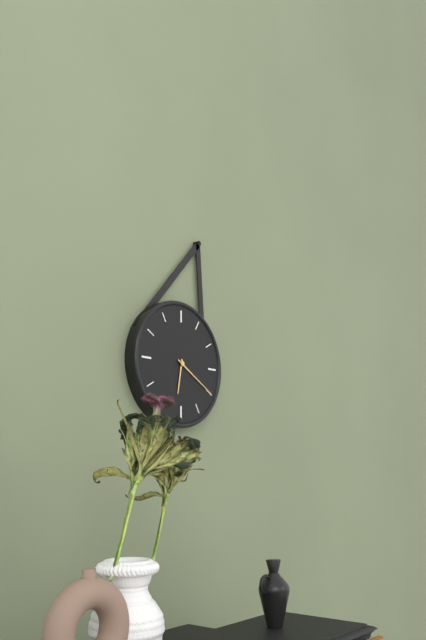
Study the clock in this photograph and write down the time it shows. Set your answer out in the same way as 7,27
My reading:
6,20
